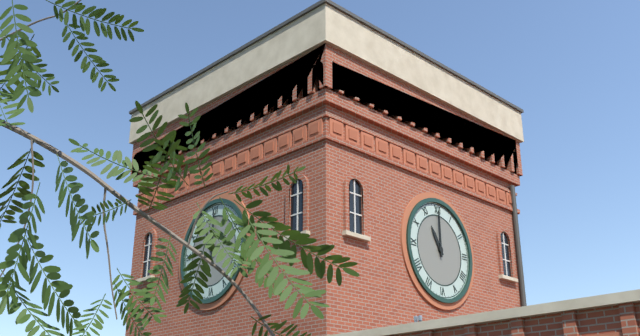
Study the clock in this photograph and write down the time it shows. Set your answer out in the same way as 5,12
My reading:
11,00
